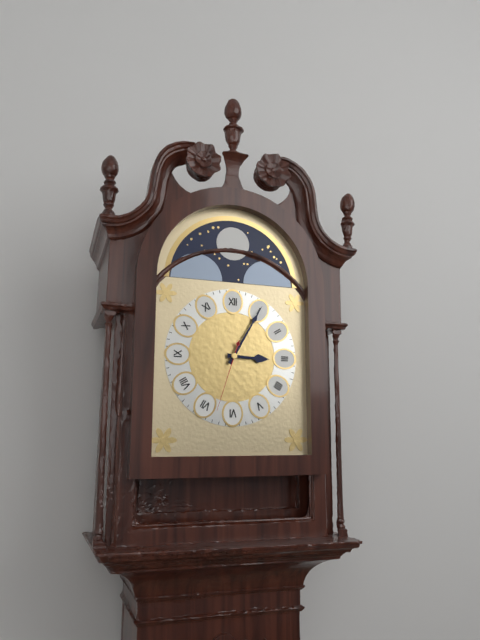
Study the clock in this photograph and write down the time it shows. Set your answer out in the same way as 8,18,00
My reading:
3,05,33
